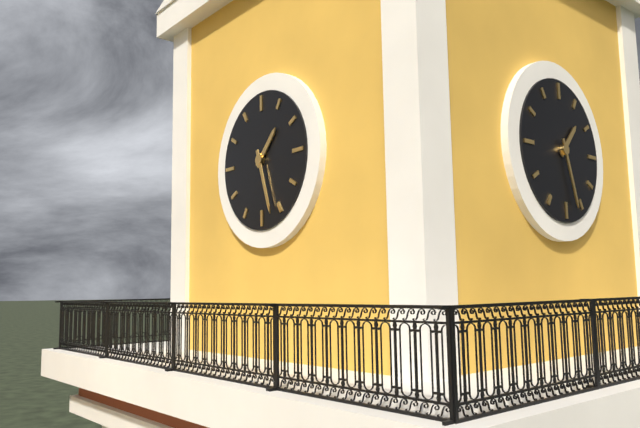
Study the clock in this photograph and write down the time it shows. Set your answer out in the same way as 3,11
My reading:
1,27
